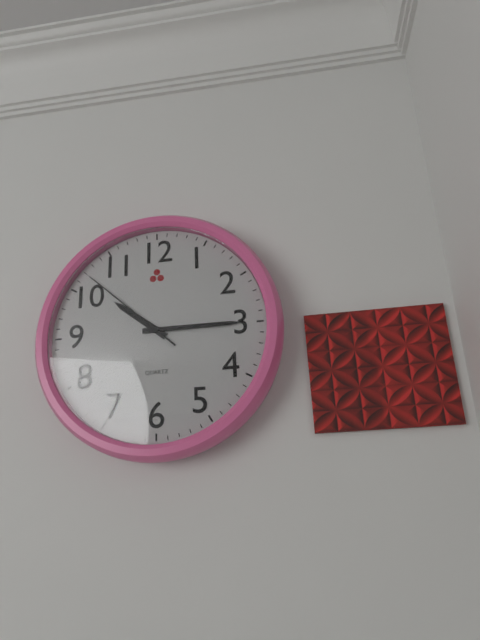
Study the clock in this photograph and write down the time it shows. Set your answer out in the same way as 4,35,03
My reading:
10,15,52
